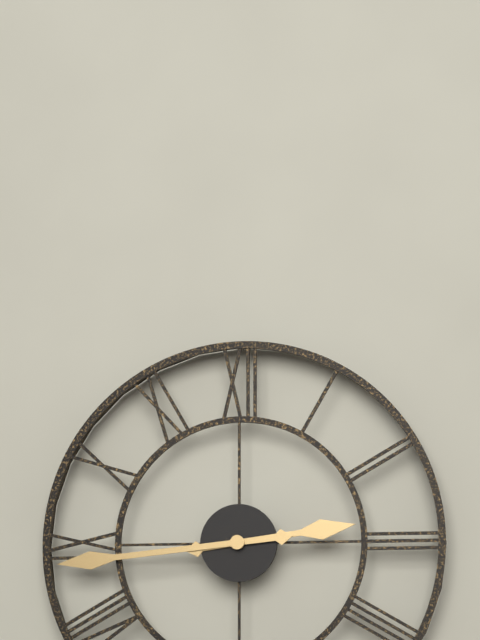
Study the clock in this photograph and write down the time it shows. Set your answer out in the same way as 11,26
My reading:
2,44
